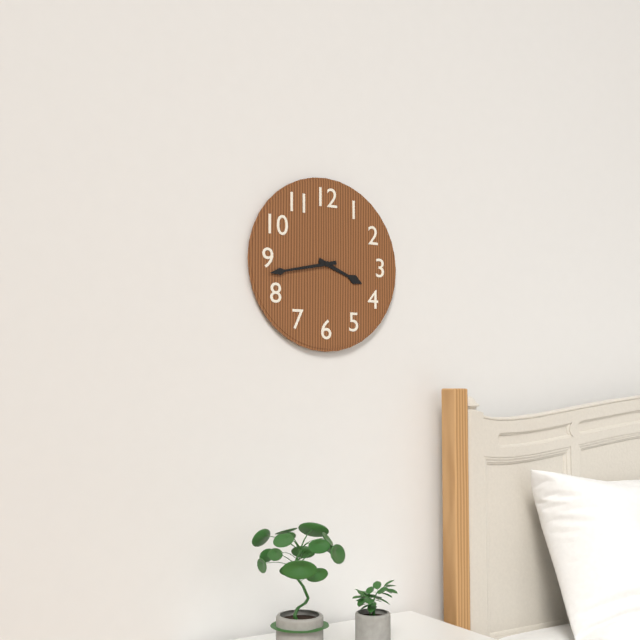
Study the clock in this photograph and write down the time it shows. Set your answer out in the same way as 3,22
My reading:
3,43
